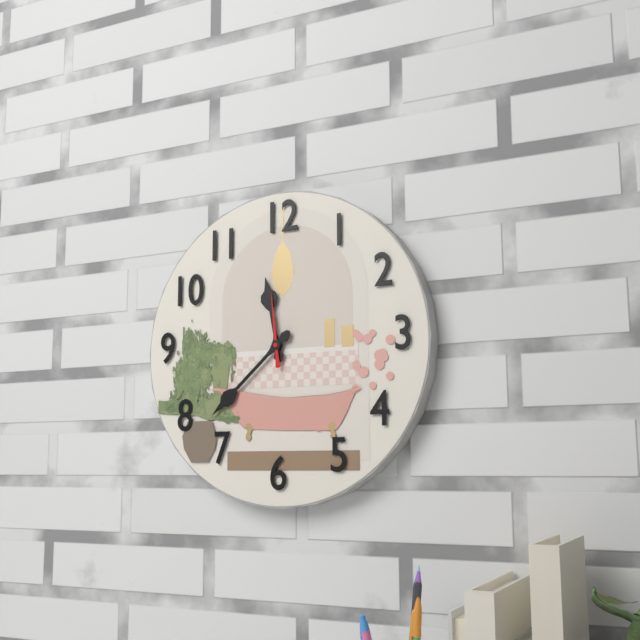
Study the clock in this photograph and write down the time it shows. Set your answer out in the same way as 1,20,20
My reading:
11,38,59
